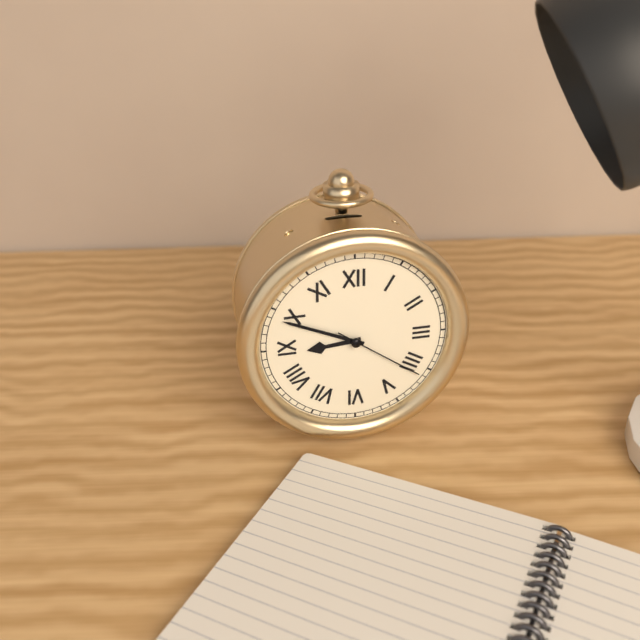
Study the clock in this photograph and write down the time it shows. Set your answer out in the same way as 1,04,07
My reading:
8,49,21
